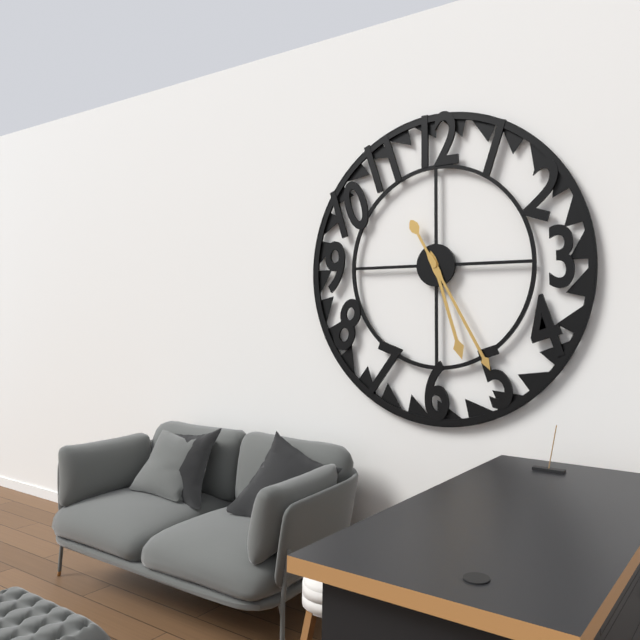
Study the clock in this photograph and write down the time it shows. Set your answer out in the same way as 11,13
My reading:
5,25
